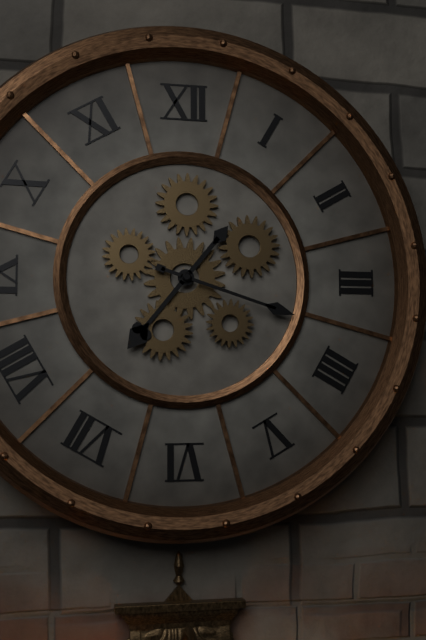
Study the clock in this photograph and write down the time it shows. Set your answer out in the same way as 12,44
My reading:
7,18
